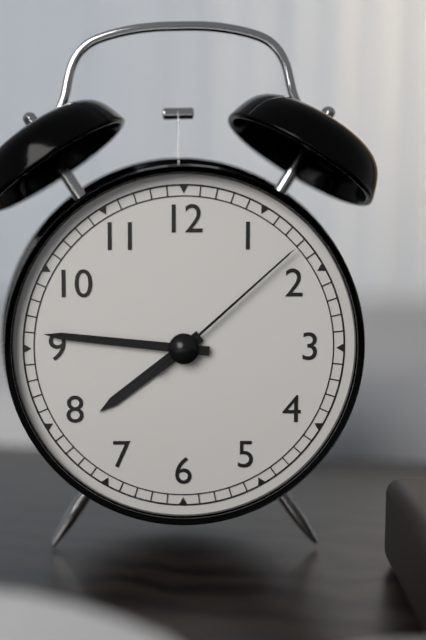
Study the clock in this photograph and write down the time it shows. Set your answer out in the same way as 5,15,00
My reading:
7,46,08
